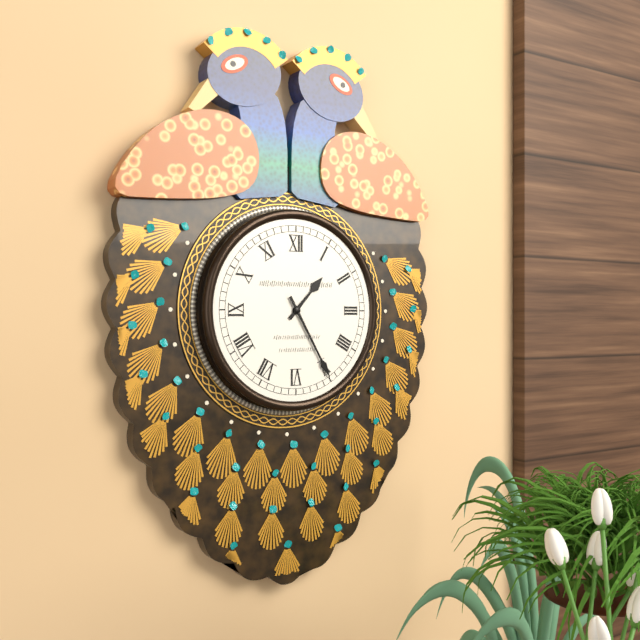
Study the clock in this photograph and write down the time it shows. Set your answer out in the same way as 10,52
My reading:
1,25
